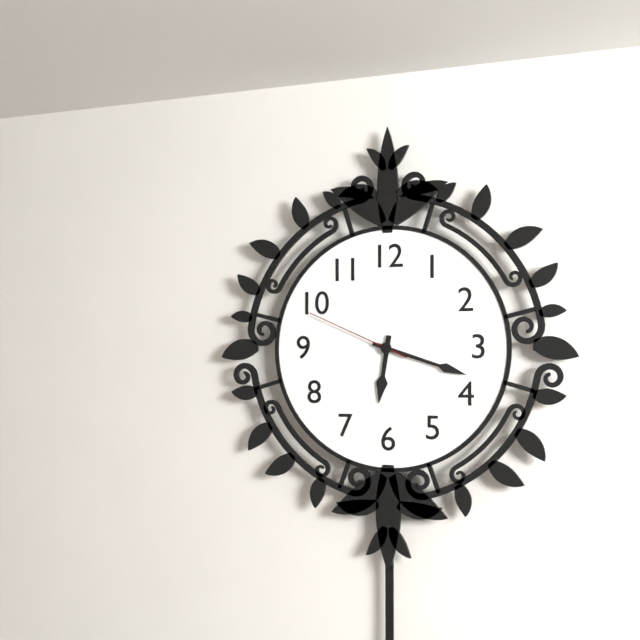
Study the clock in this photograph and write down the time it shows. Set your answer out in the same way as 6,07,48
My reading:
6,18,49
